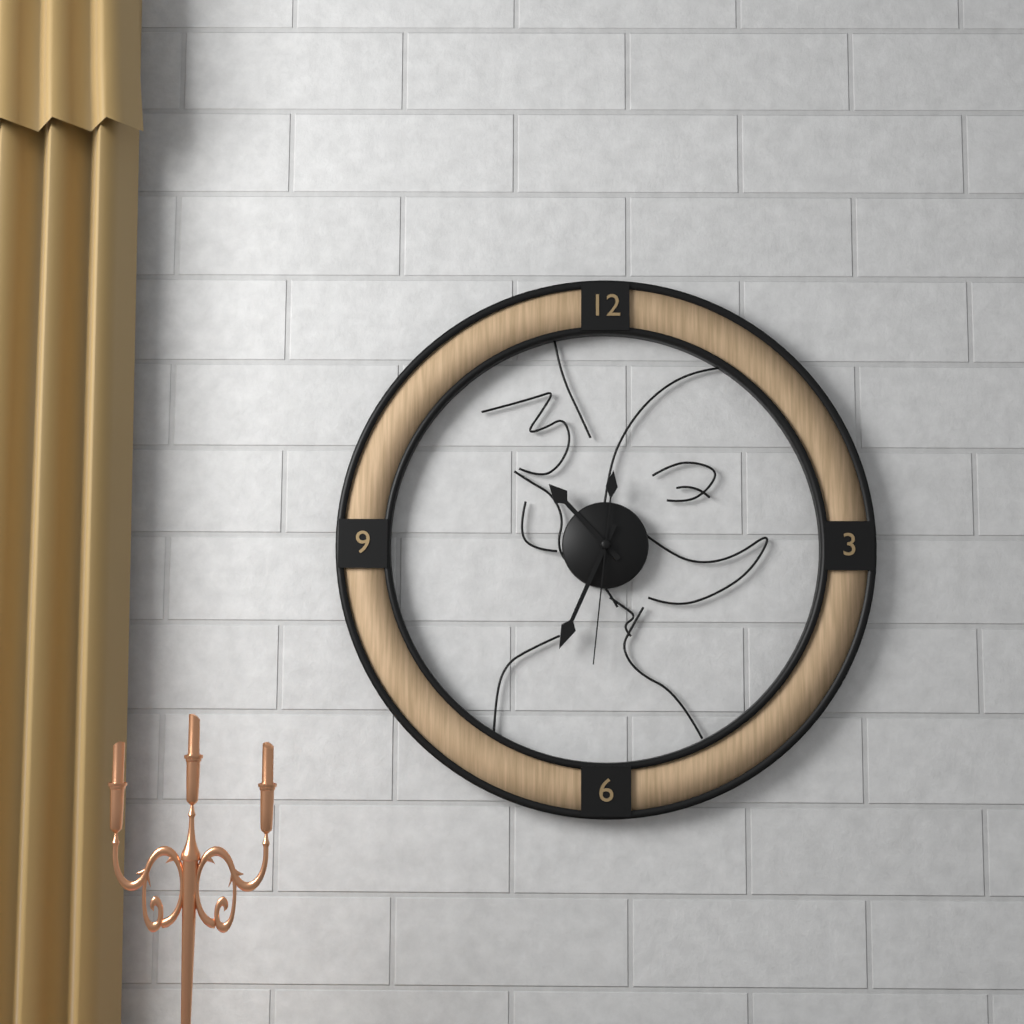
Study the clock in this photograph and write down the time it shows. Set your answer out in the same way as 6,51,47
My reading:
10,34,31
